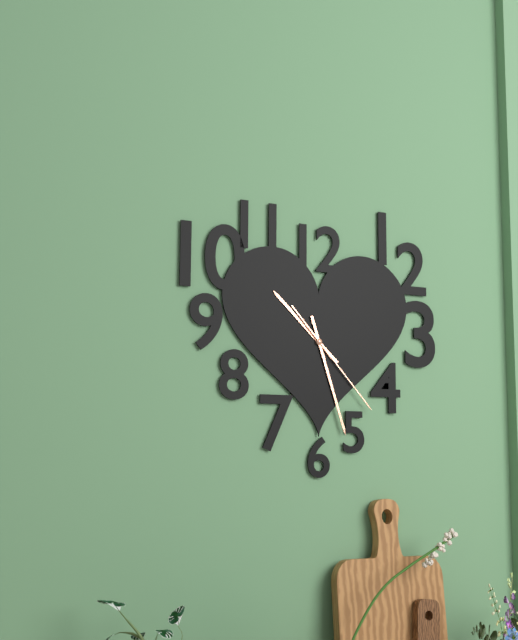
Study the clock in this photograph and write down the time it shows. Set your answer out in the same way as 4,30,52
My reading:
10,27,23
